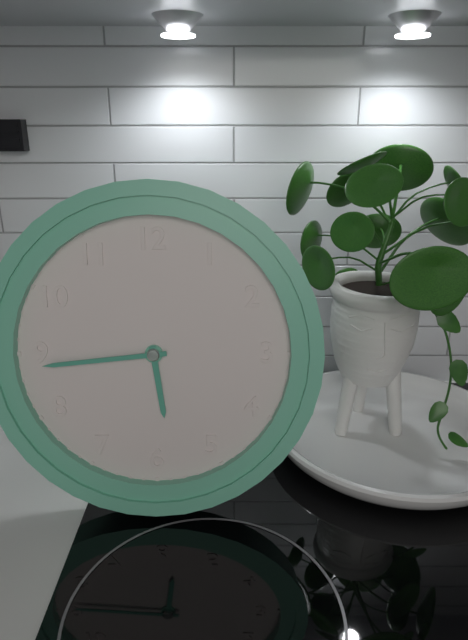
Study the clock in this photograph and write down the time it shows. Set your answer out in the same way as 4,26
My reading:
5,44
